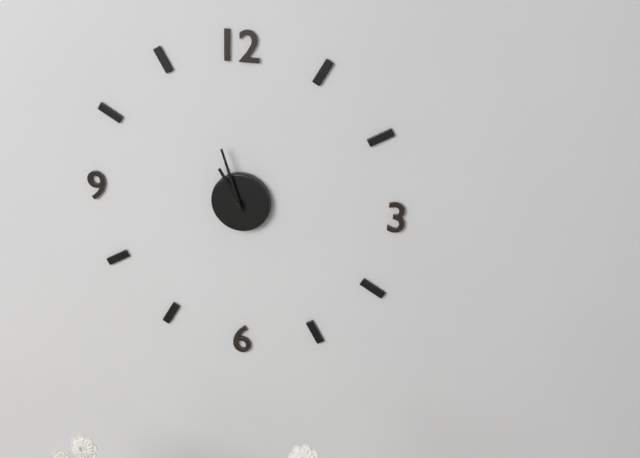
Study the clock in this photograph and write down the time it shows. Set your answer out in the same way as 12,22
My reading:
10,57
